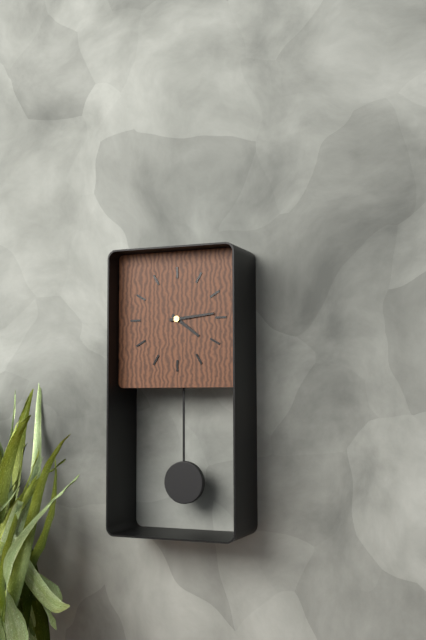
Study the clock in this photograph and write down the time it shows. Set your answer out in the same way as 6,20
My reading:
4,14
